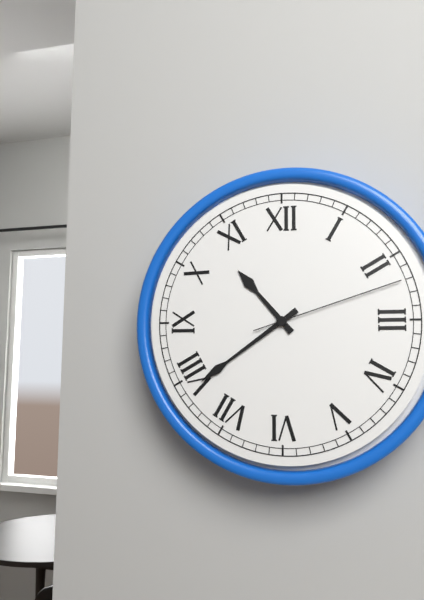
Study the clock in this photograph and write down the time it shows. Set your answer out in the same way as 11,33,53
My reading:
10,39,12
